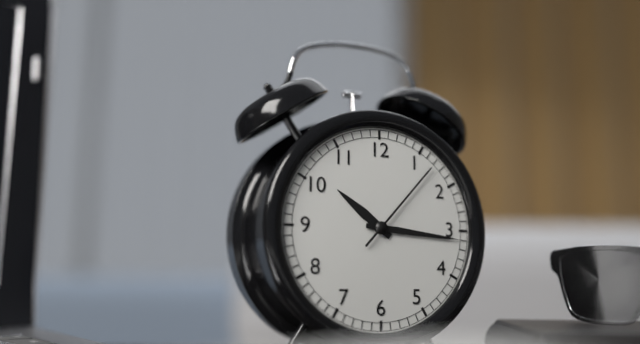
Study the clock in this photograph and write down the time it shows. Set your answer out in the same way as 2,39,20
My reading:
10,16,07
